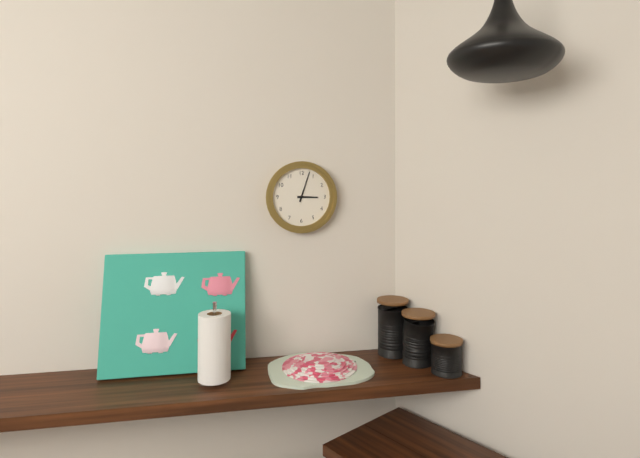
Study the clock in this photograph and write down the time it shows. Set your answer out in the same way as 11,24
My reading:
3,03
